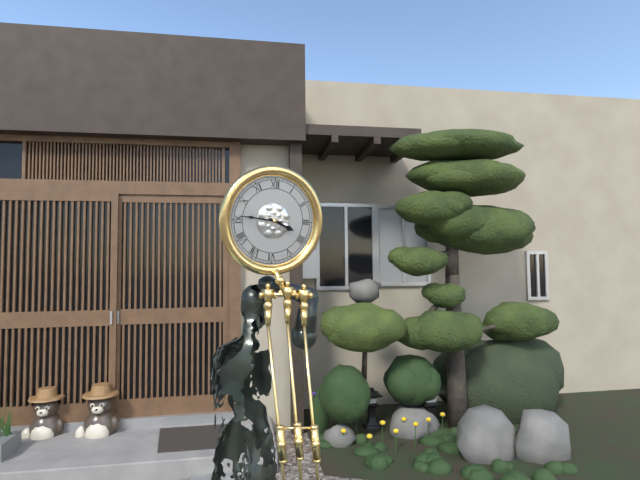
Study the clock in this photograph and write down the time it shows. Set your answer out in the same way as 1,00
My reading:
3,46
